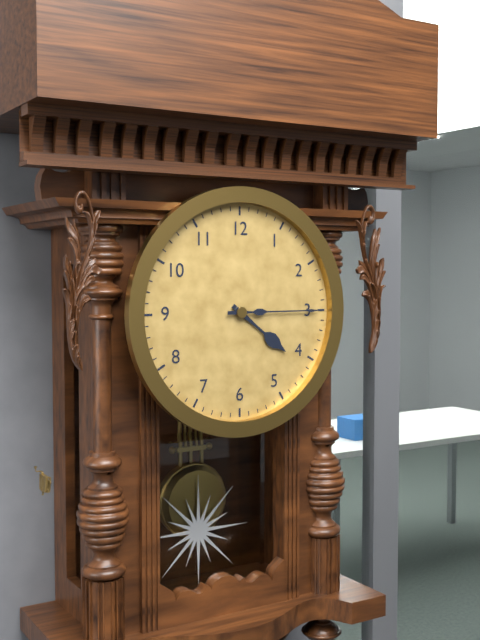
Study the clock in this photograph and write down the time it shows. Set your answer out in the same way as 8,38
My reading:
4,15
